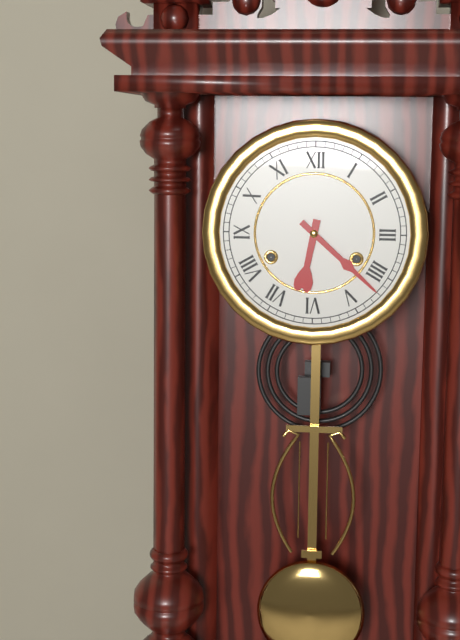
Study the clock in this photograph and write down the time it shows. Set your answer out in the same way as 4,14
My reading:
6,22
